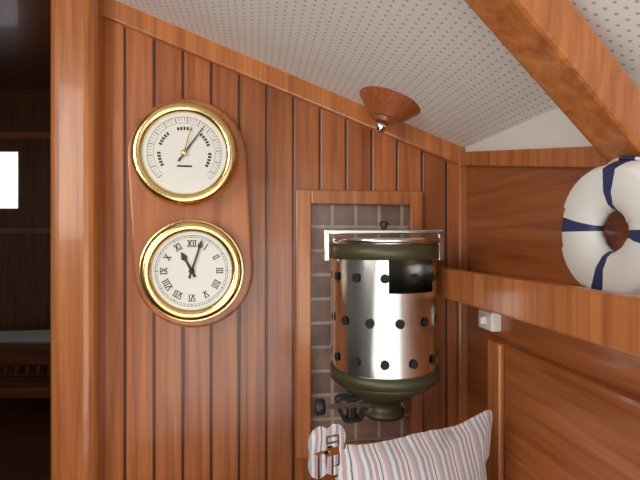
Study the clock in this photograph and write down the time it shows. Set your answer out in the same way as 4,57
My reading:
11,03
